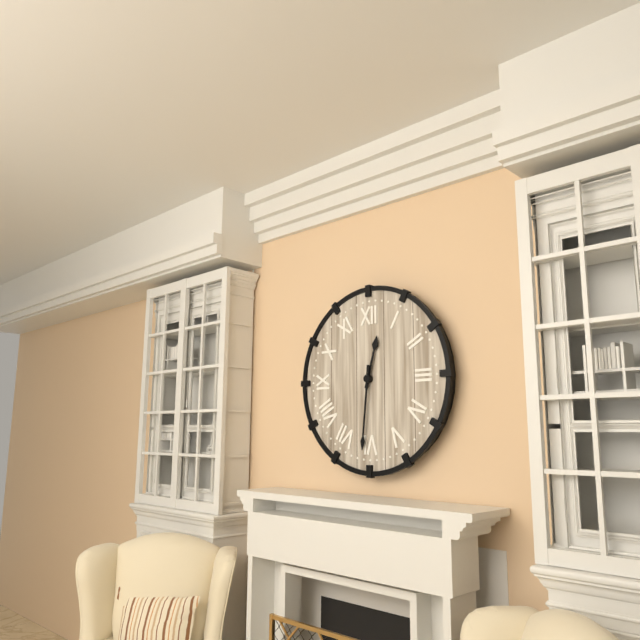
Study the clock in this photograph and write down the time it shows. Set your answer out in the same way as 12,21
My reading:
12,31
